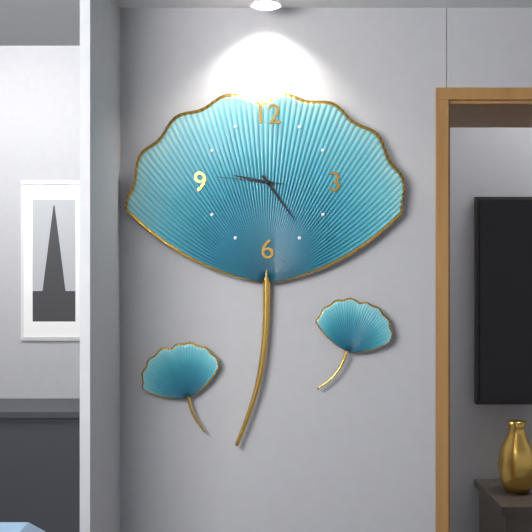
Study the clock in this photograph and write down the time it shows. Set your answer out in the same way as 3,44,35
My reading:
9,24,46
